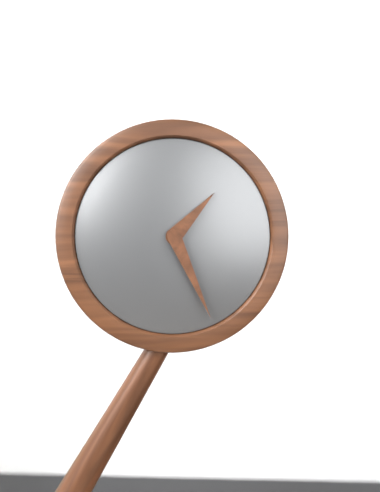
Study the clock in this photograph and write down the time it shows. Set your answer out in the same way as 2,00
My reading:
1,26
